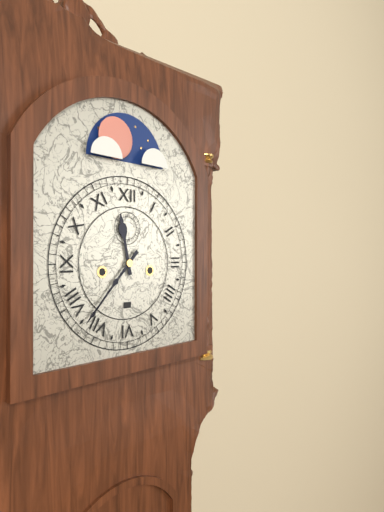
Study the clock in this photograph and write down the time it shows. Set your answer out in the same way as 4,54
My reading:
11,37
